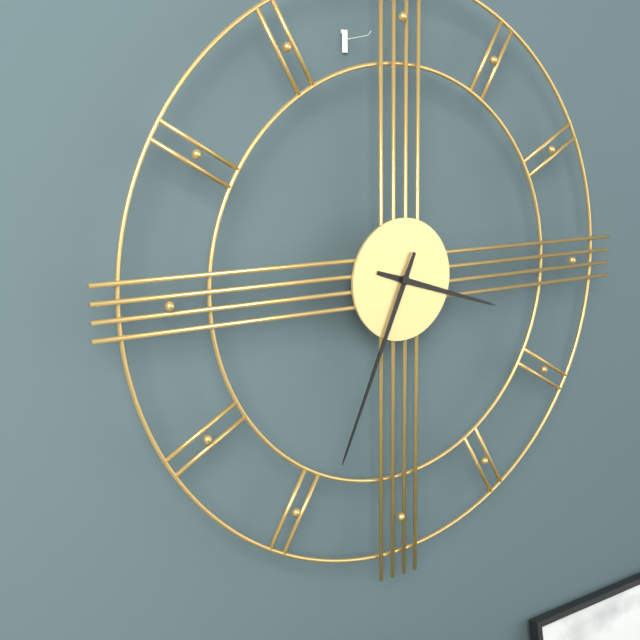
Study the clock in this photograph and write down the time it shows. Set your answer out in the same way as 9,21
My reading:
3,34
